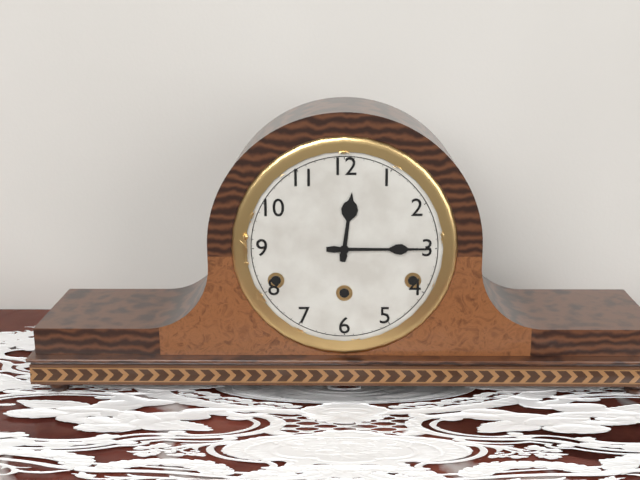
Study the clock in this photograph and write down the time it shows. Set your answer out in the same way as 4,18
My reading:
12,15
